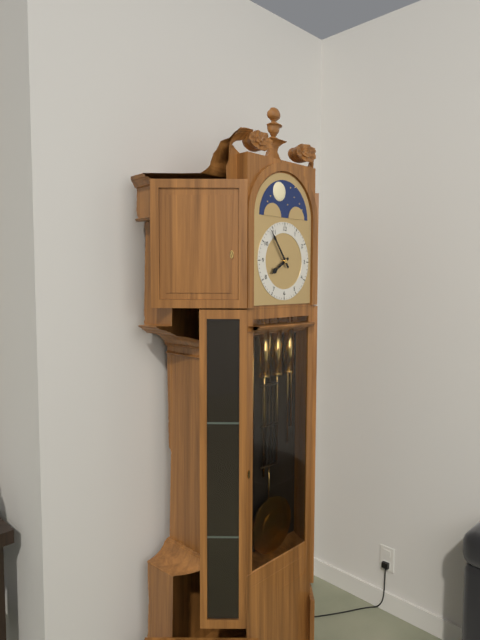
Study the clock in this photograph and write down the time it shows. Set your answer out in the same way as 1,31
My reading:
7,54
